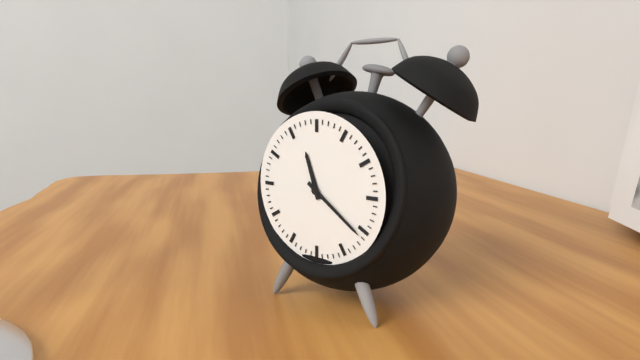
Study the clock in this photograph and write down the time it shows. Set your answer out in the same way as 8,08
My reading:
11,21
